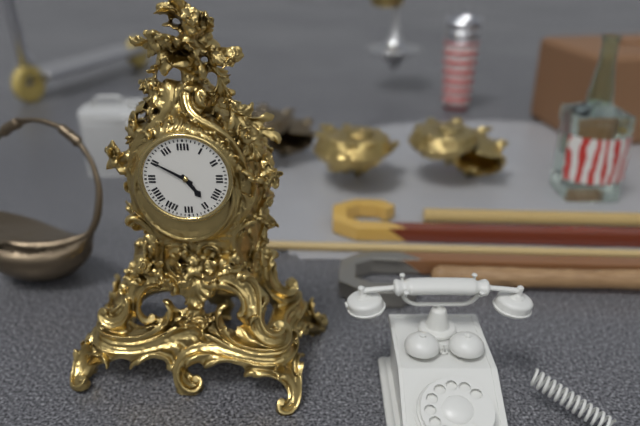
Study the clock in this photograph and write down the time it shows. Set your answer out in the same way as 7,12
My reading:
4,50
